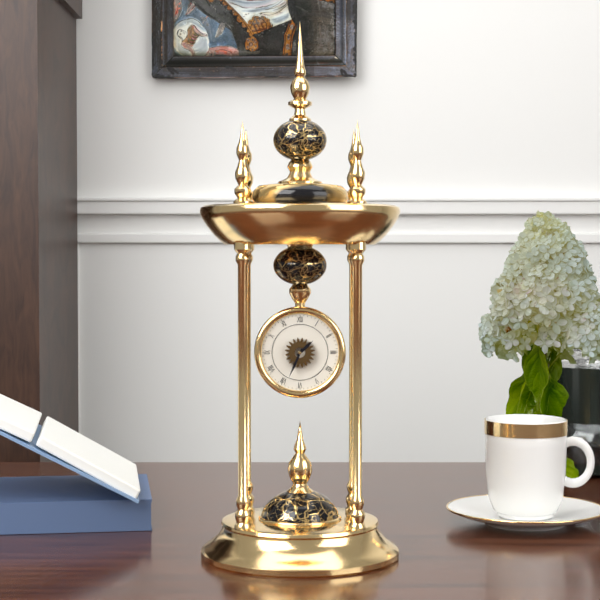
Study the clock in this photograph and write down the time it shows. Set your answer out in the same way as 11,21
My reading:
1,34
